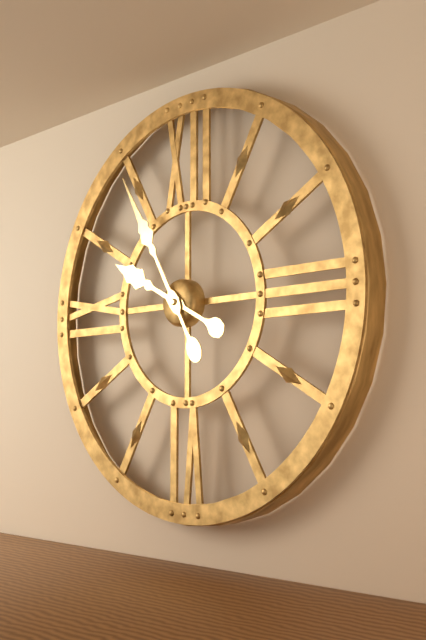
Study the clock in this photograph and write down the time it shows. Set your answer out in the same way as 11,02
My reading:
9,55
